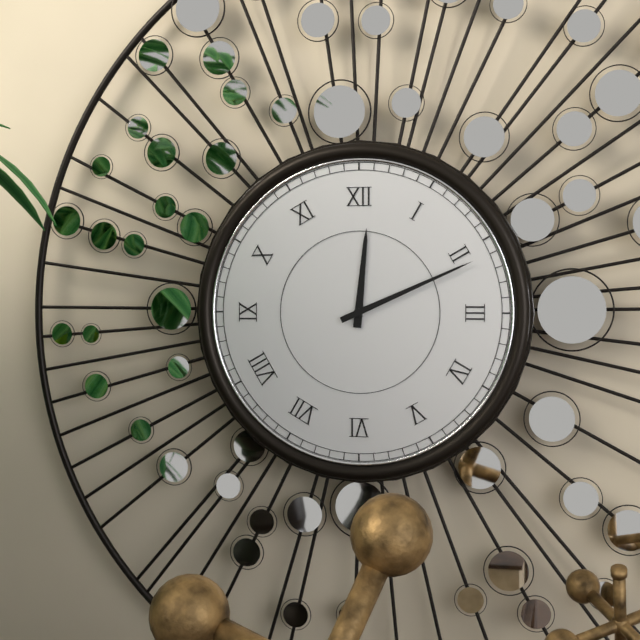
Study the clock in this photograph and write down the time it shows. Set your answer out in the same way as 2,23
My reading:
12,11
